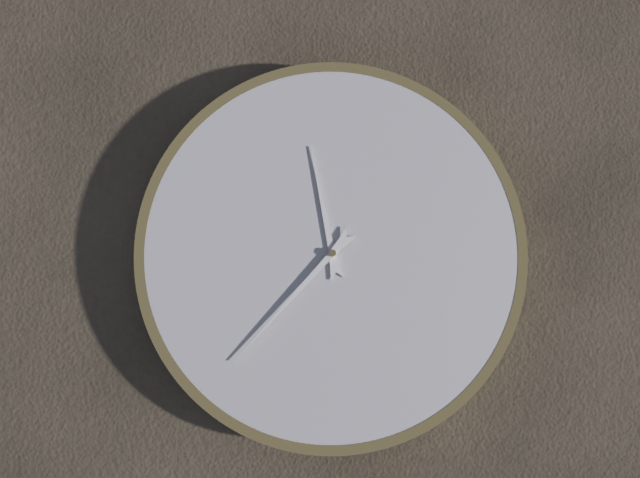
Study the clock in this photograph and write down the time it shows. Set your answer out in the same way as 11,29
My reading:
11,37
